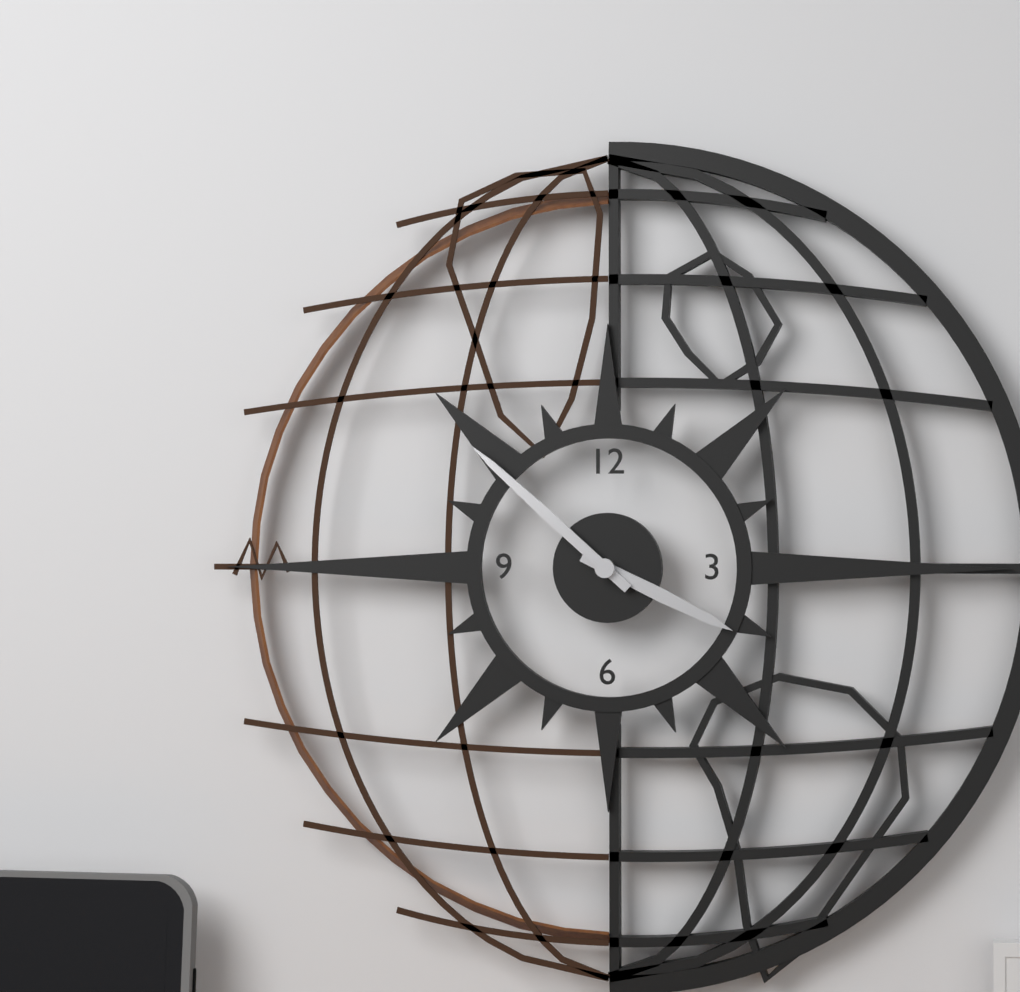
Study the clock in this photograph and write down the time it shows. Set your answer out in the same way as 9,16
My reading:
3,52
